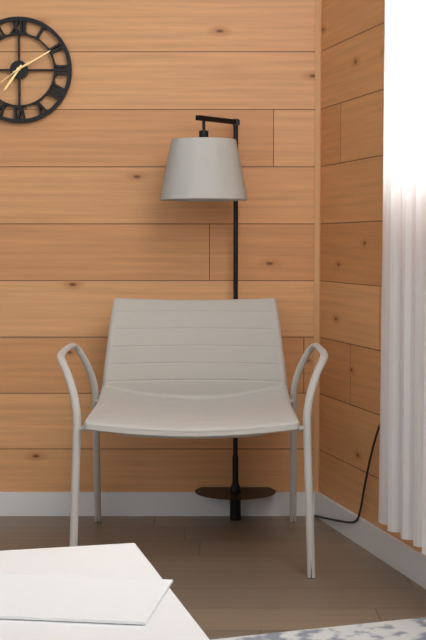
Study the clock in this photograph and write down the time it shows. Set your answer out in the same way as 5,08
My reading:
7,10
